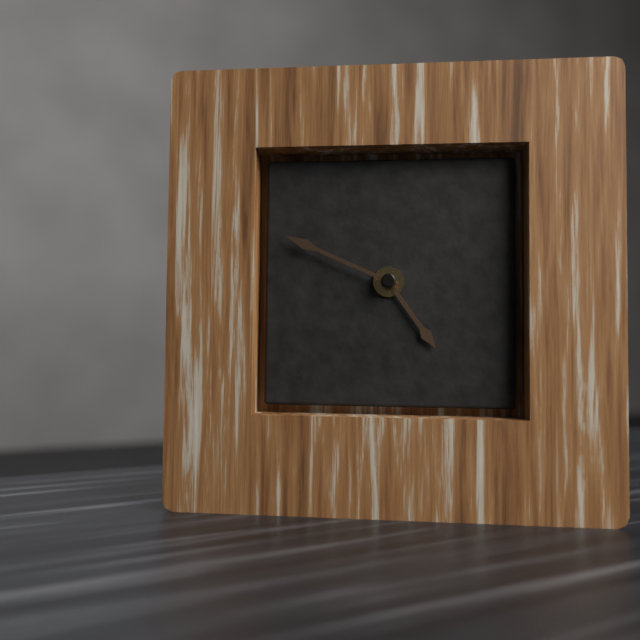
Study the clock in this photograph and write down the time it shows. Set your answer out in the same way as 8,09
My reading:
4,49
